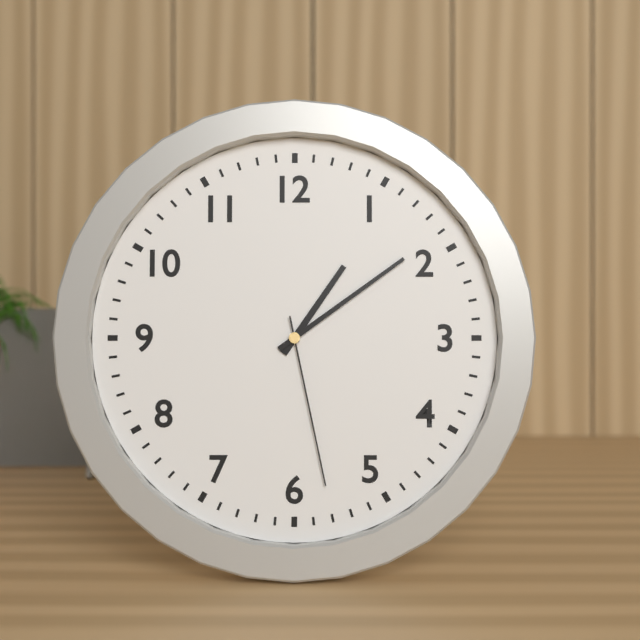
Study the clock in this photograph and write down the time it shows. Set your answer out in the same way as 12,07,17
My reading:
1,09,28
